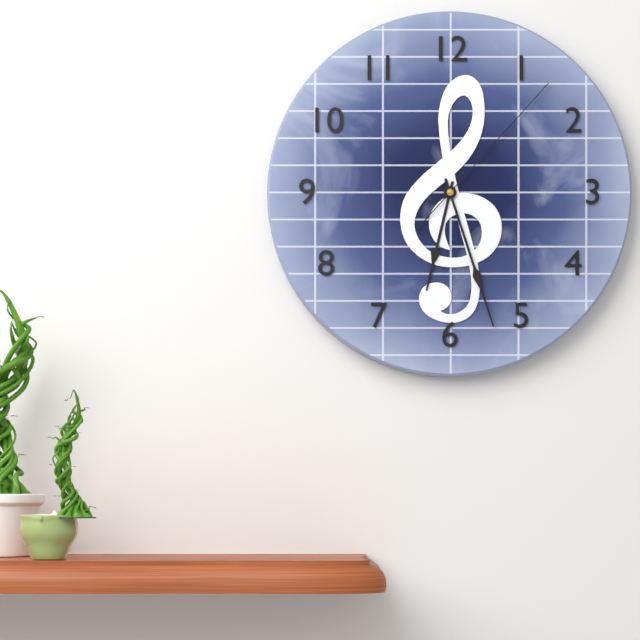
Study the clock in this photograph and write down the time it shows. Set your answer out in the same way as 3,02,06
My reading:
6,27,07
